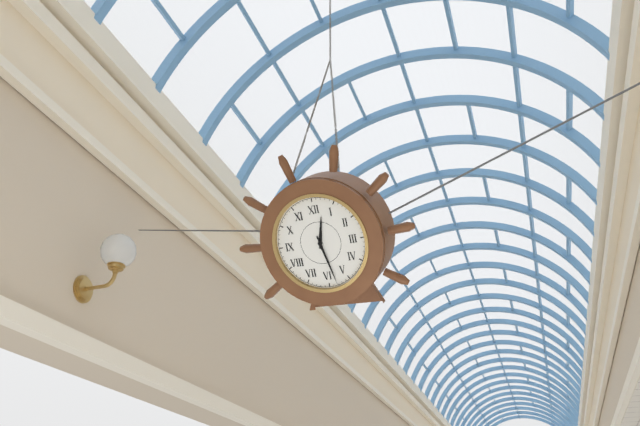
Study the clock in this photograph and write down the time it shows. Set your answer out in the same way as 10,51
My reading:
12,28
